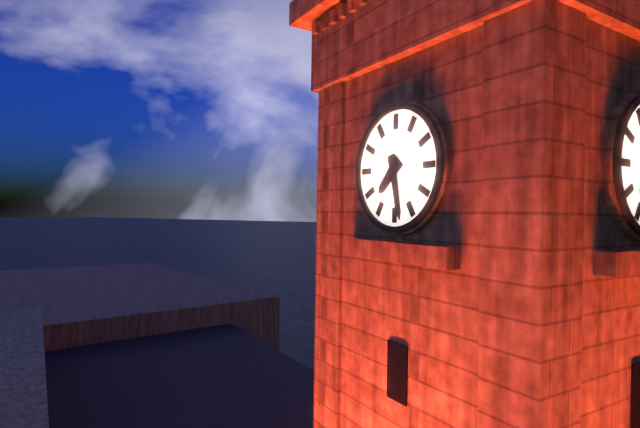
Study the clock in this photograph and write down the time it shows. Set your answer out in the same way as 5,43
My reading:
7,28
